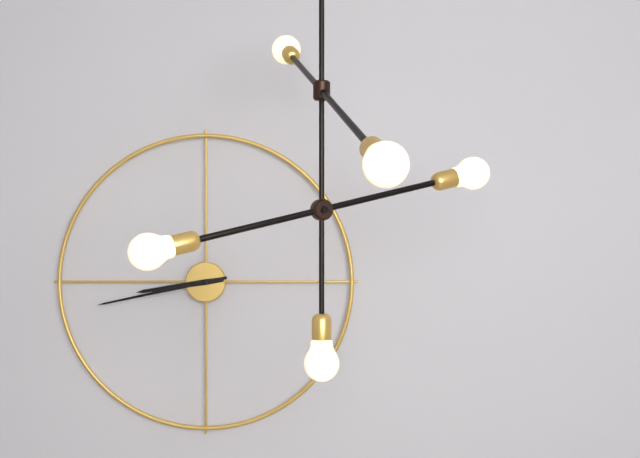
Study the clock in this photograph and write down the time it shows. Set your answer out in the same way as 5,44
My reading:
8,43
